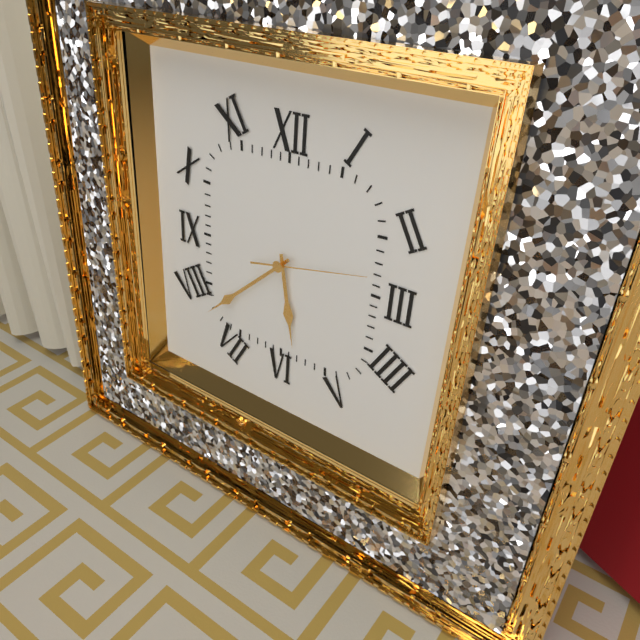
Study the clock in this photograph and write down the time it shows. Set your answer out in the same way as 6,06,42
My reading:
5,38,13
